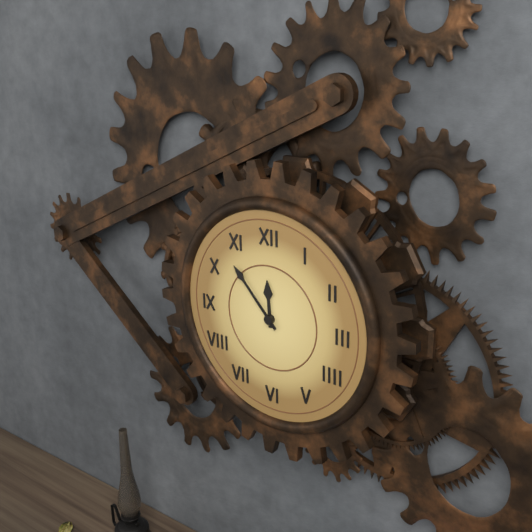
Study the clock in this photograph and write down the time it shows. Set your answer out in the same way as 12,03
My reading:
11,53
